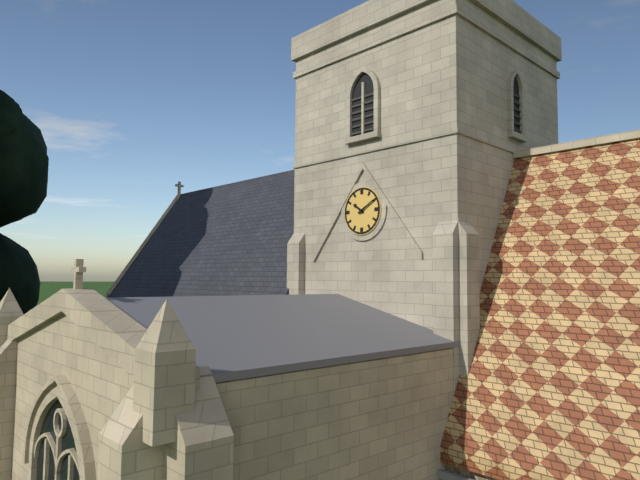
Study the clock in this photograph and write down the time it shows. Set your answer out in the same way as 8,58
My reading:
10,10
